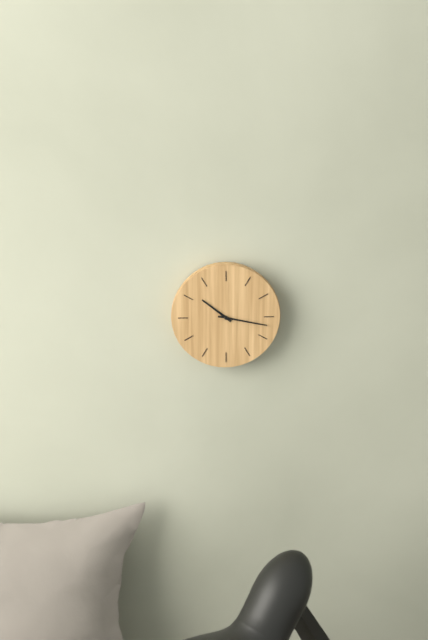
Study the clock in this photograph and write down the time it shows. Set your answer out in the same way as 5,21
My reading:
10,17
